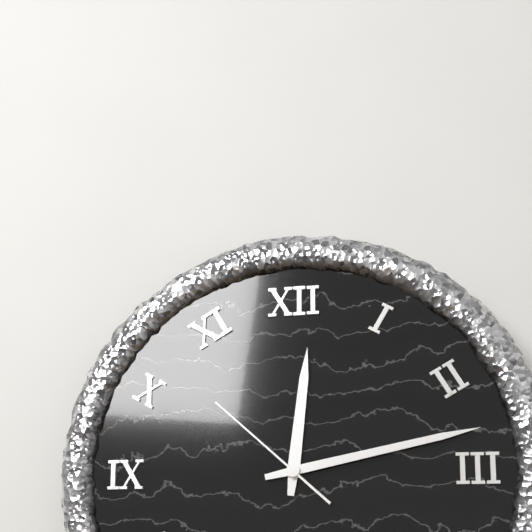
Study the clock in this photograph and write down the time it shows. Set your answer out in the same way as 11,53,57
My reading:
12,13,52
